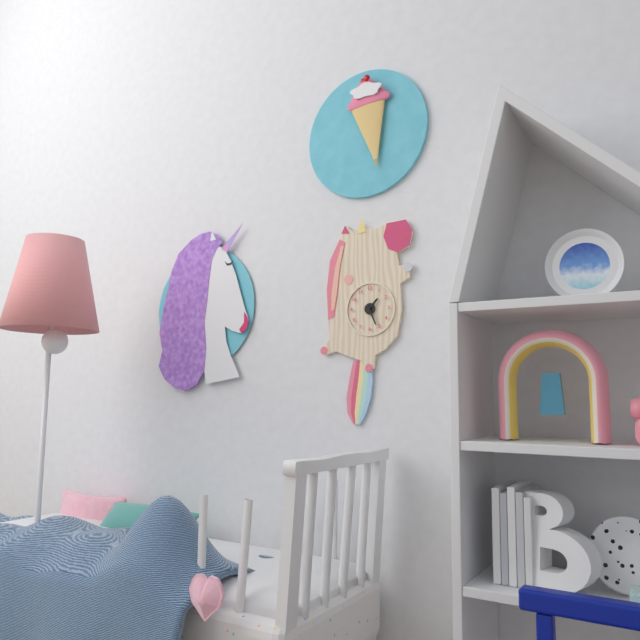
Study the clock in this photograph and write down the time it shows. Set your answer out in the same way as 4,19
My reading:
1,26
